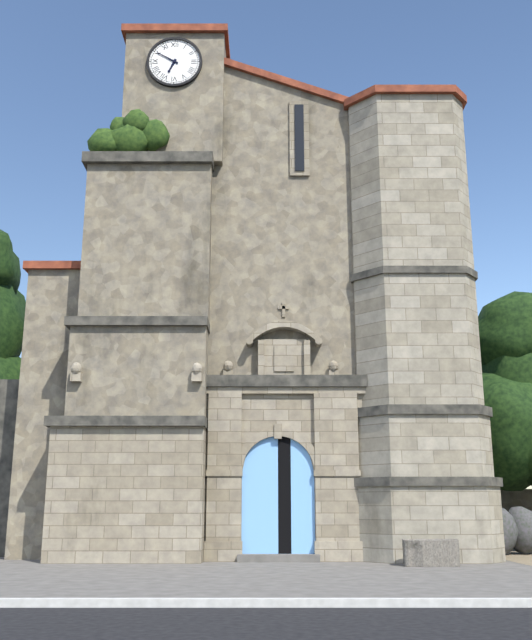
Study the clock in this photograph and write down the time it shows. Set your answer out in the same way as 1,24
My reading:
6,50
